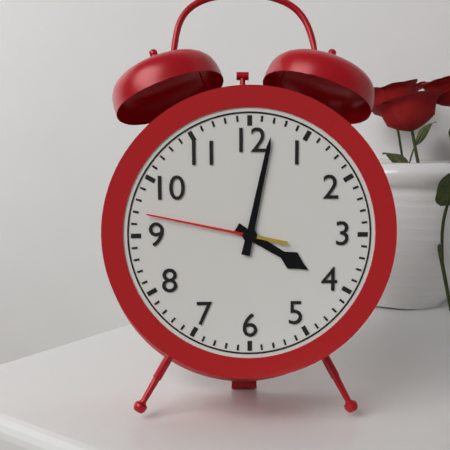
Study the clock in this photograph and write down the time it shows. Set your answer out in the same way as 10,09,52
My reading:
4,02,47
